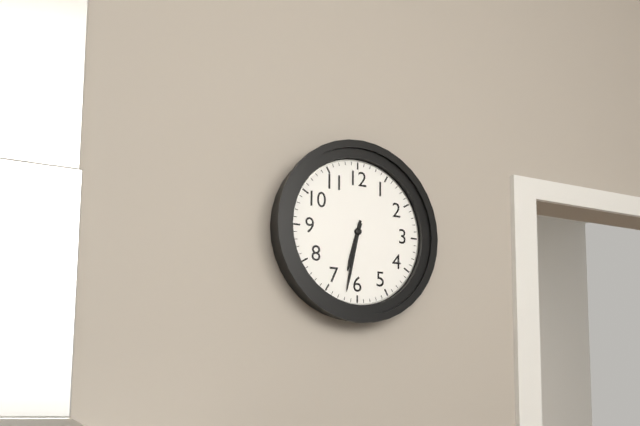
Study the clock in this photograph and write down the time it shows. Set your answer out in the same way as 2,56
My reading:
6,32
